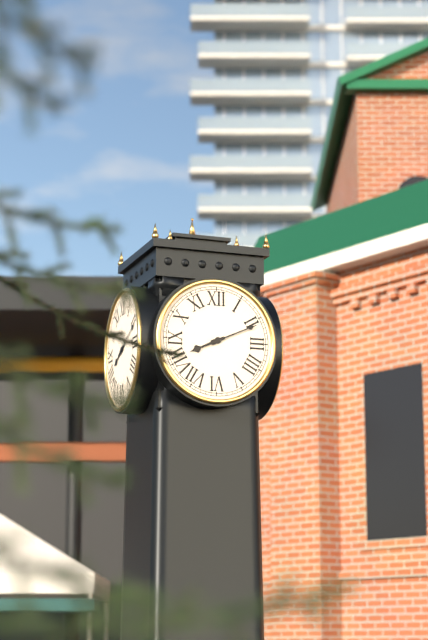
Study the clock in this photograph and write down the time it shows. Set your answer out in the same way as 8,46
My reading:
8,11
